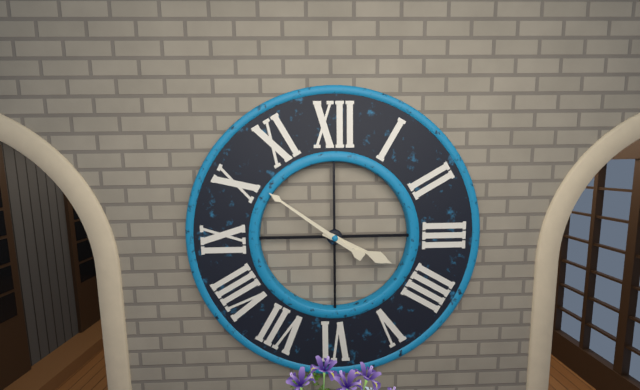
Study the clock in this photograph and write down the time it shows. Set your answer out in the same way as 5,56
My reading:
3,51
